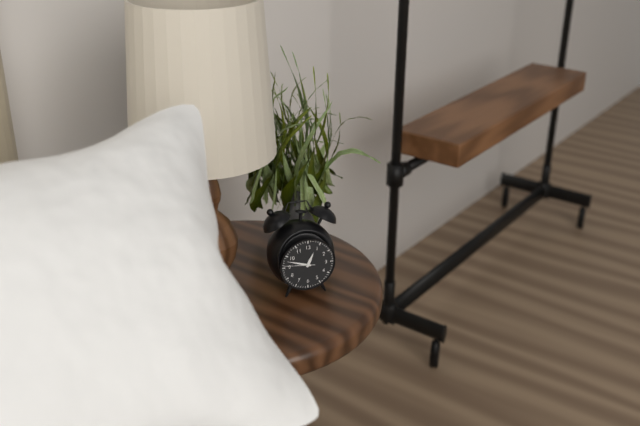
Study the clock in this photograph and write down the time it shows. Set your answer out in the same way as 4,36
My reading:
12,48
